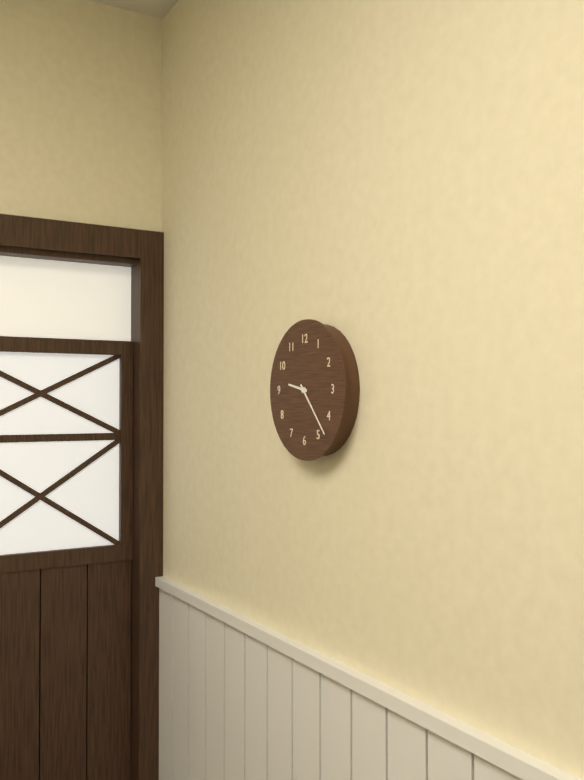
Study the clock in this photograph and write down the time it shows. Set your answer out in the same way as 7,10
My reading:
9,23
